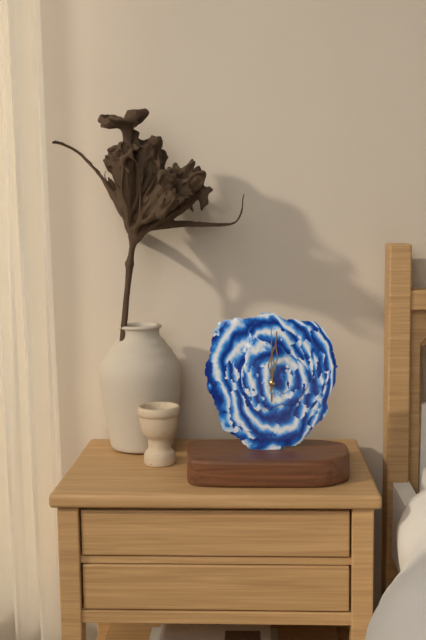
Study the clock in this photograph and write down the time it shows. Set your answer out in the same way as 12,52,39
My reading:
12,01,00
